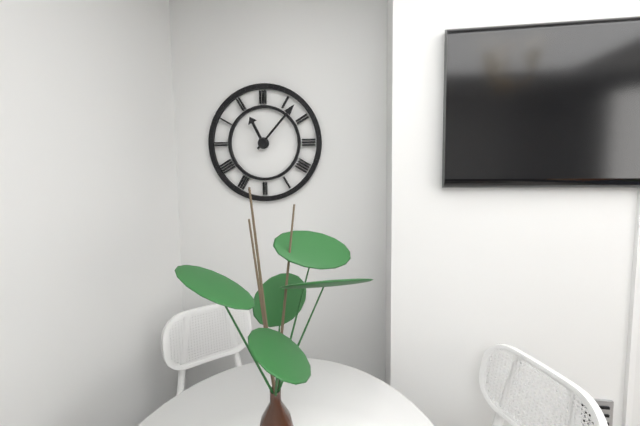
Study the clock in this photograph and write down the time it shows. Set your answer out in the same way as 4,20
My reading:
11,07
